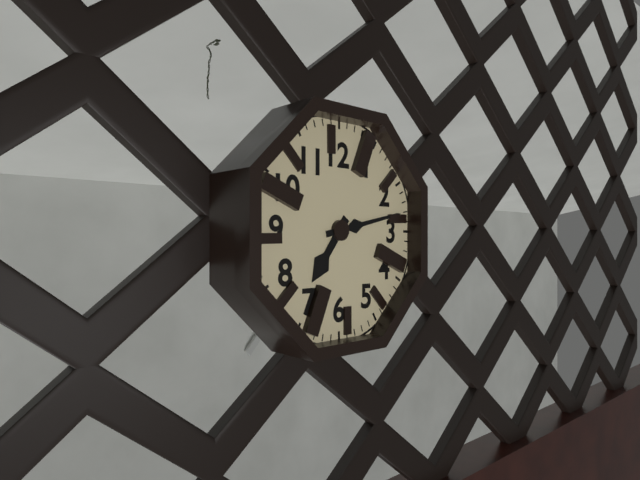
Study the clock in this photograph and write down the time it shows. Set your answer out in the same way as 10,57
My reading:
7,13
